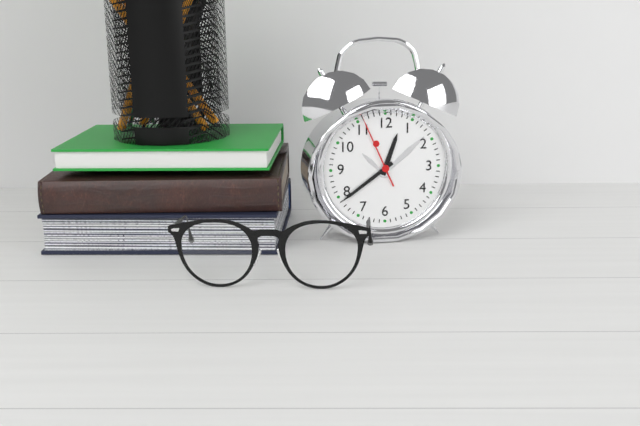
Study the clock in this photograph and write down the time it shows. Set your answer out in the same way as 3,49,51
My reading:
12,39,56
